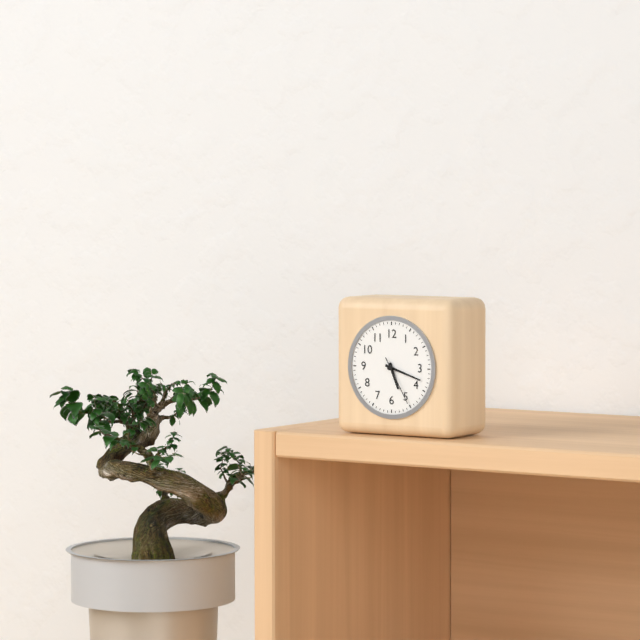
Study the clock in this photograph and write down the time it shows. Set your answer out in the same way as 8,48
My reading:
5,18
